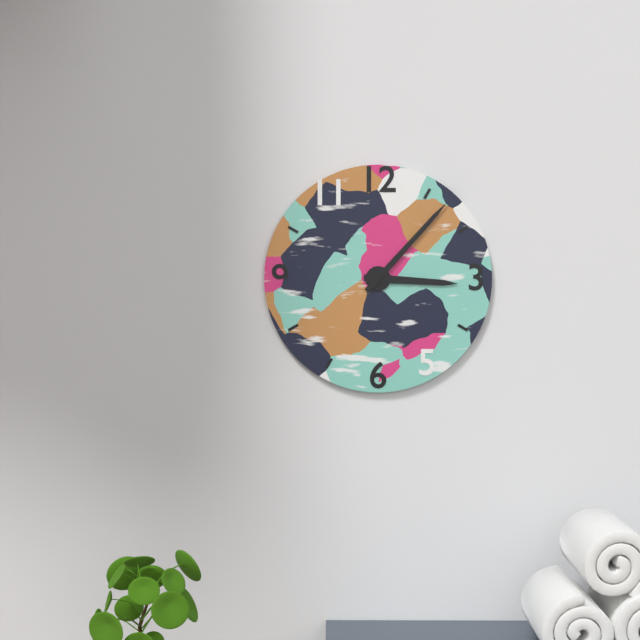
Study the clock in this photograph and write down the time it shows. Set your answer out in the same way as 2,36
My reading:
3,07
